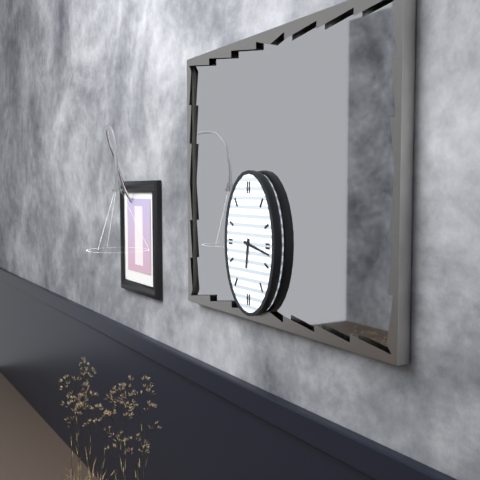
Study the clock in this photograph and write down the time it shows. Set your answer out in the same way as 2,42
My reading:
6,17
